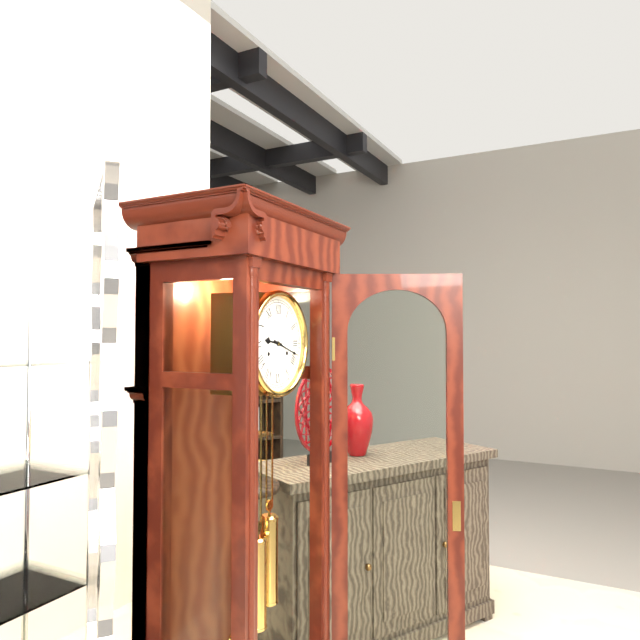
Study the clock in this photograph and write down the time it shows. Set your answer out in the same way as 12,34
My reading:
9,18
